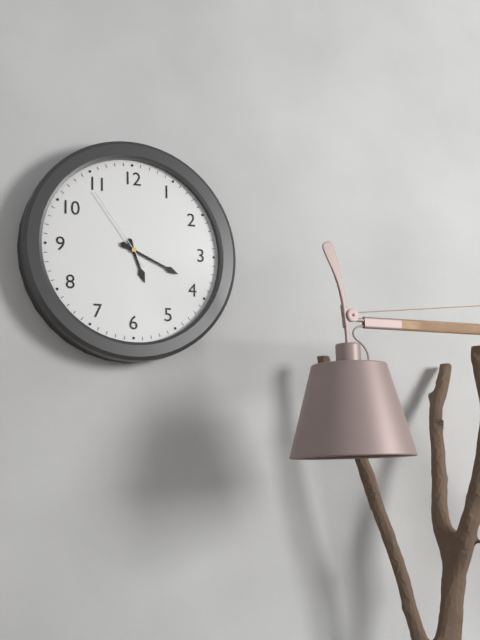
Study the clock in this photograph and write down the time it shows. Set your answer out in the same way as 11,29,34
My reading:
5,19,54
